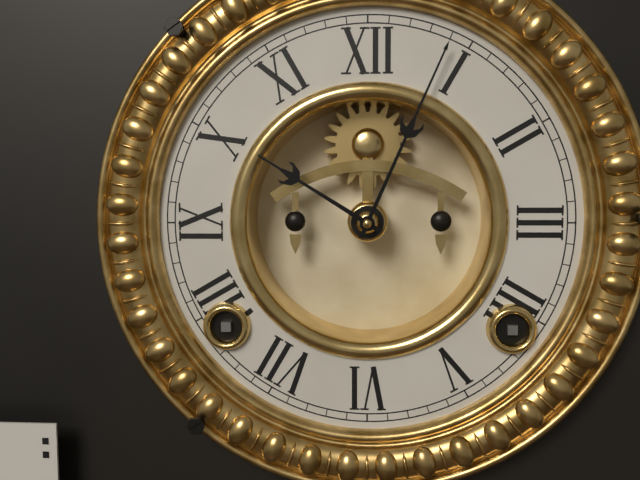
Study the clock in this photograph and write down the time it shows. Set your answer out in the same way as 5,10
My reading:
10,04
